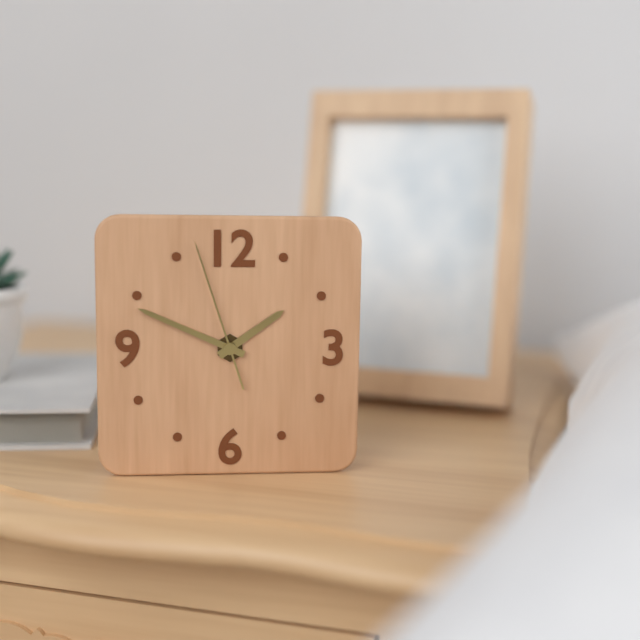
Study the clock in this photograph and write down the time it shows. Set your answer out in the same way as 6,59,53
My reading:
1,49,57
